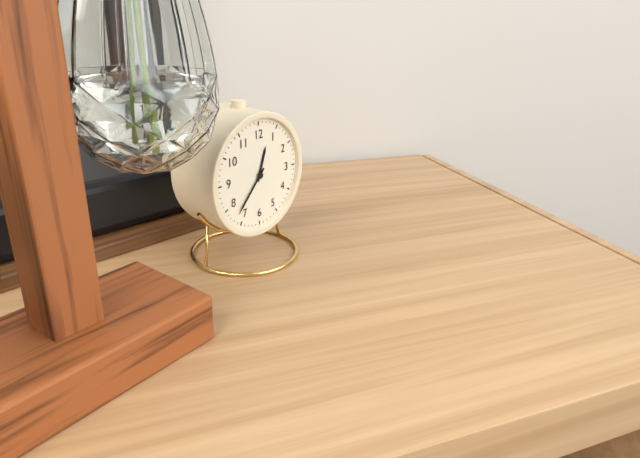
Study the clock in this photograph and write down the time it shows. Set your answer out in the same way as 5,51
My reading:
12,37
